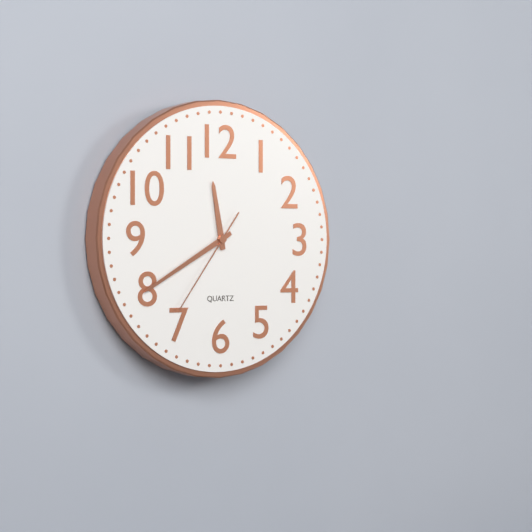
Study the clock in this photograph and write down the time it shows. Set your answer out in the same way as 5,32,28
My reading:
11,40,36
